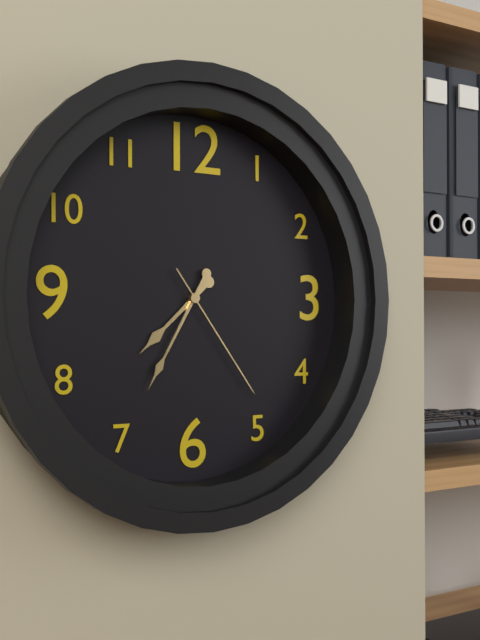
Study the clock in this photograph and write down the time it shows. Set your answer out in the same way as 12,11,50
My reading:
7,35,24
